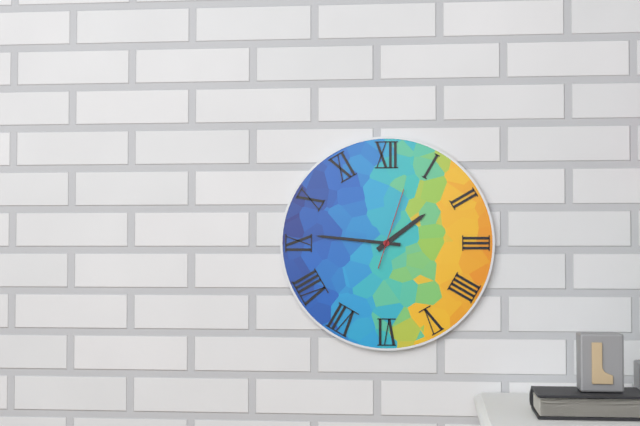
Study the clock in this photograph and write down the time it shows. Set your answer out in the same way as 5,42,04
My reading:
1,46,03
